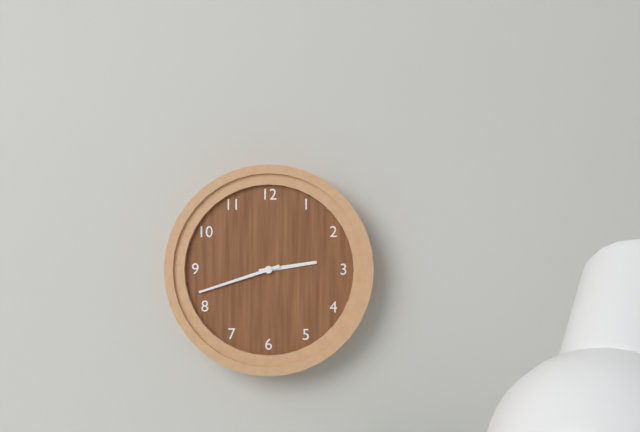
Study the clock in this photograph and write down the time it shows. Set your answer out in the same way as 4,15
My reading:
2,42
